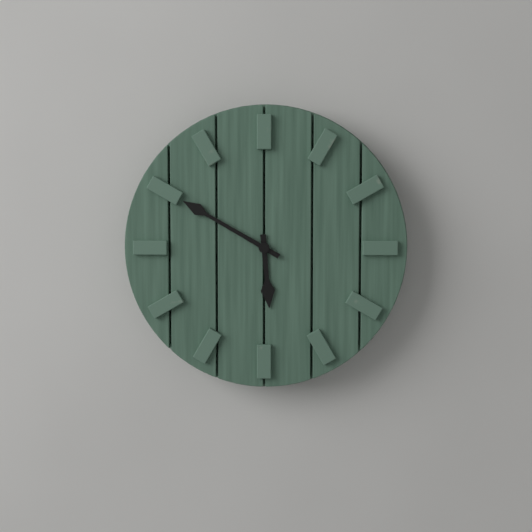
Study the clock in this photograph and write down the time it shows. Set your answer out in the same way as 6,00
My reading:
5,50
